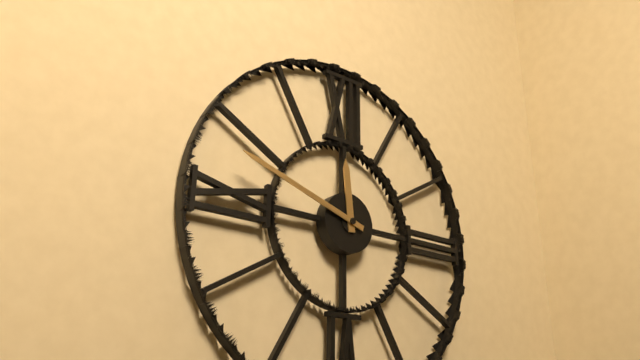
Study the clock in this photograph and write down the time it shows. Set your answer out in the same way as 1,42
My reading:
11,48
